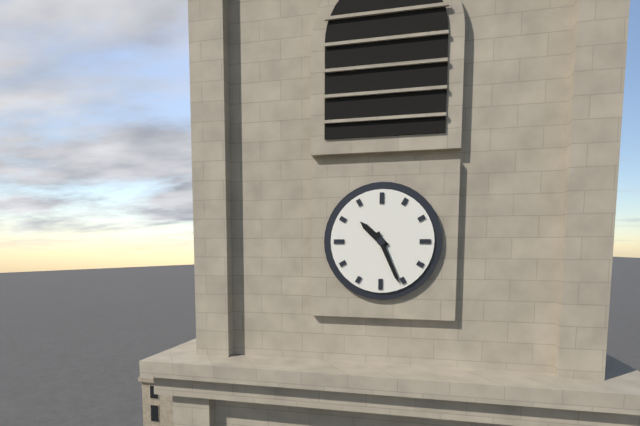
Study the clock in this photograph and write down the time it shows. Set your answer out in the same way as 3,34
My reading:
10,26
